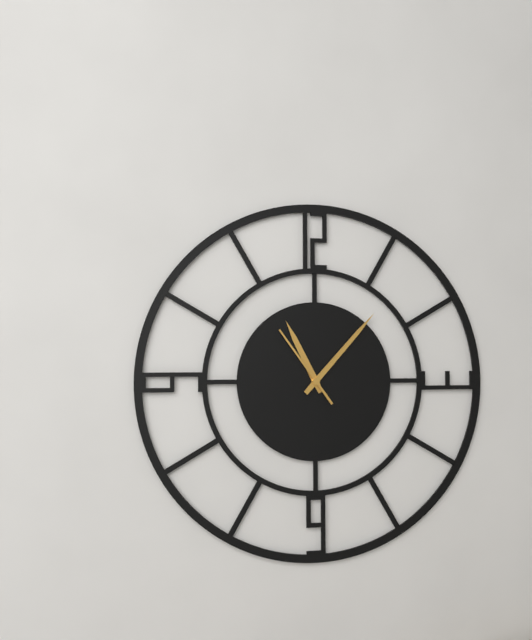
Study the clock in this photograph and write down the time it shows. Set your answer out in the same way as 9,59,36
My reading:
11,07,54
